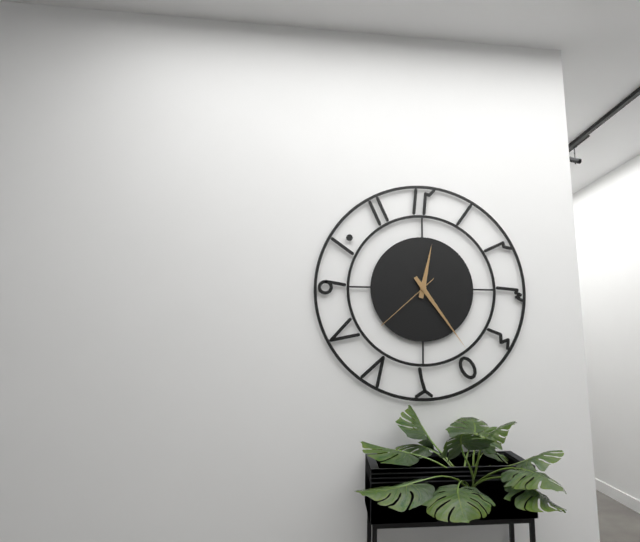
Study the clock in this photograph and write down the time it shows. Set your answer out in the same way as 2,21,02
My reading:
12,24,38
